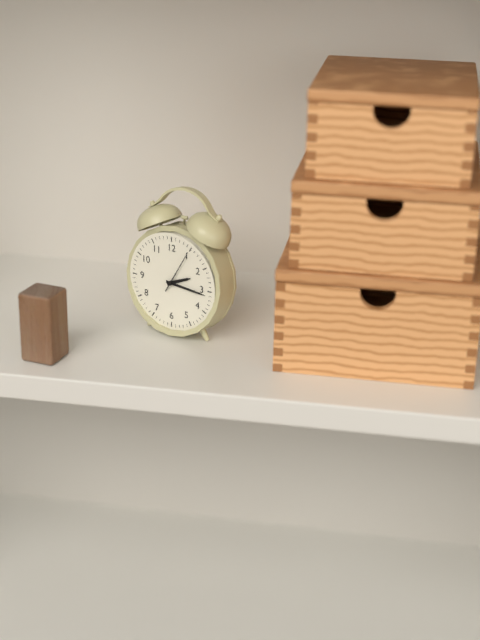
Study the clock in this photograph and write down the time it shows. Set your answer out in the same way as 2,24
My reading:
2,16
